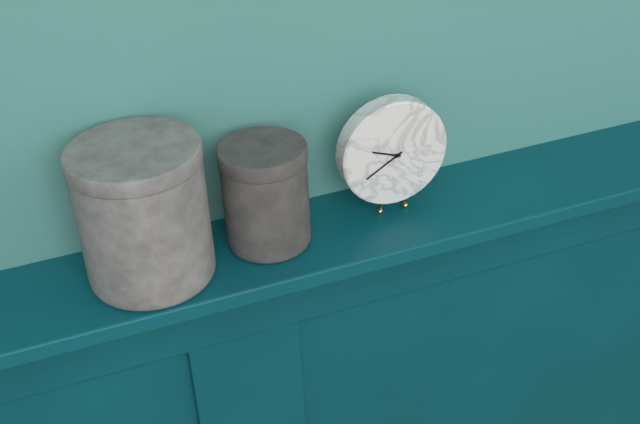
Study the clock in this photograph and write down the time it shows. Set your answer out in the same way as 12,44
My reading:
9,40
